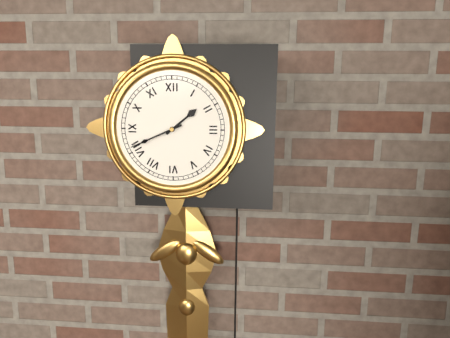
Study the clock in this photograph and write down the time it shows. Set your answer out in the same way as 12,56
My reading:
1,41
